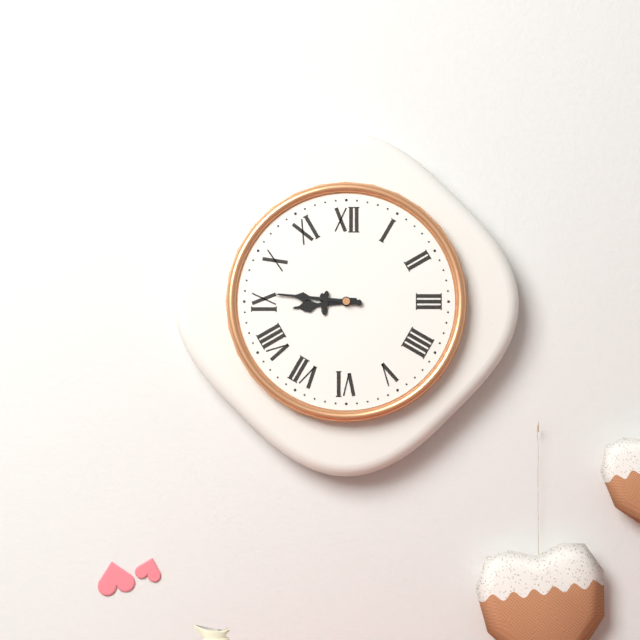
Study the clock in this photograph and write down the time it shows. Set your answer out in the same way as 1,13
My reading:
8,46
